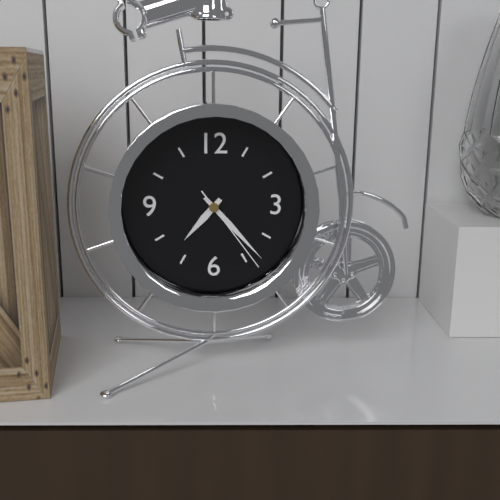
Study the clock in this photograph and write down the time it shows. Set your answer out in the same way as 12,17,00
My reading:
7,23,24
